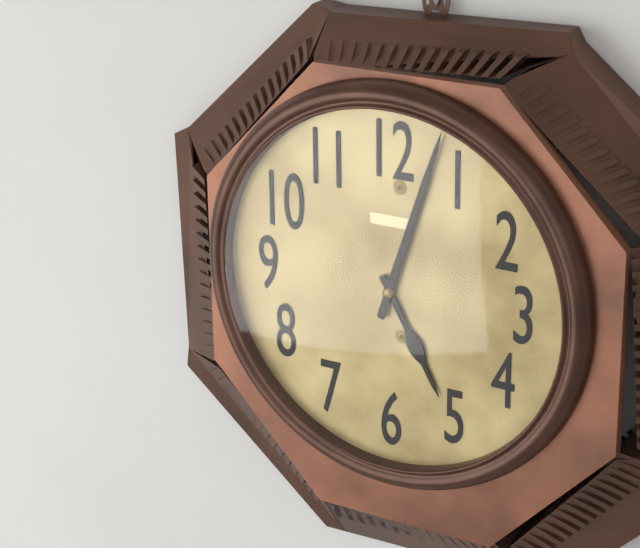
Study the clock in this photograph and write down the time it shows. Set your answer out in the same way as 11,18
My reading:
5,03
